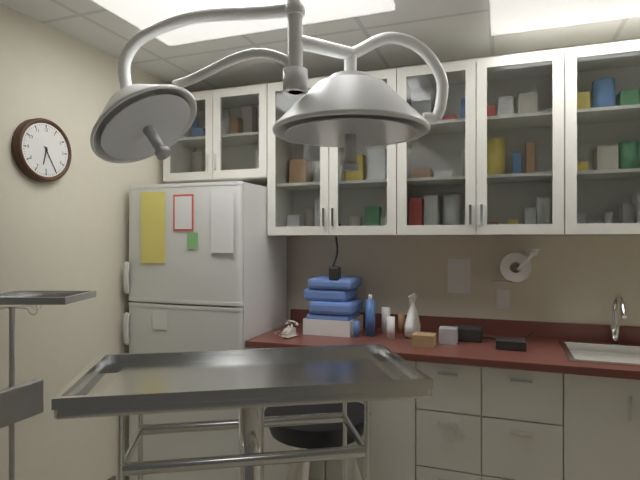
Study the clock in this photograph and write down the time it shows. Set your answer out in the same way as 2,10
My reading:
6,25
